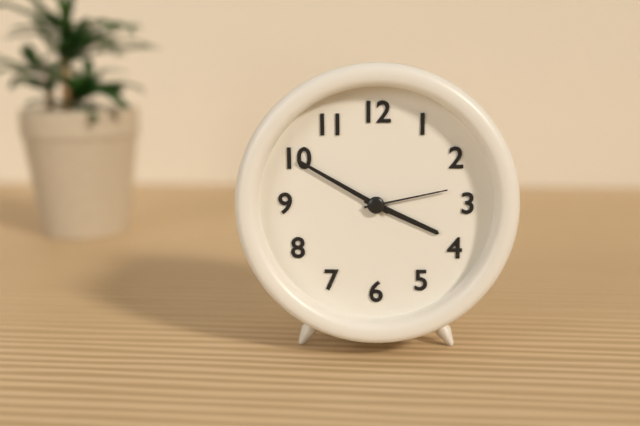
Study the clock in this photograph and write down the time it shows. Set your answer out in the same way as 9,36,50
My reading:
3,50,13
